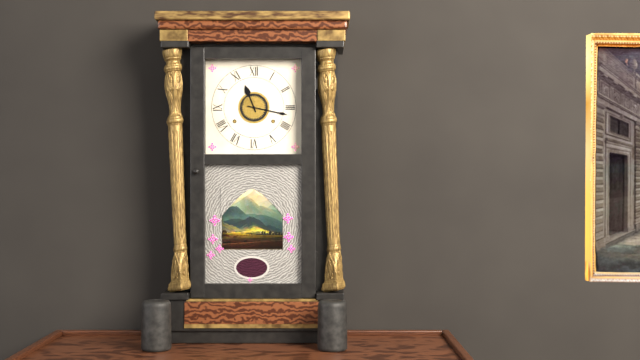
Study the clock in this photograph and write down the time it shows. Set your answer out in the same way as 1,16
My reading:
11,17
